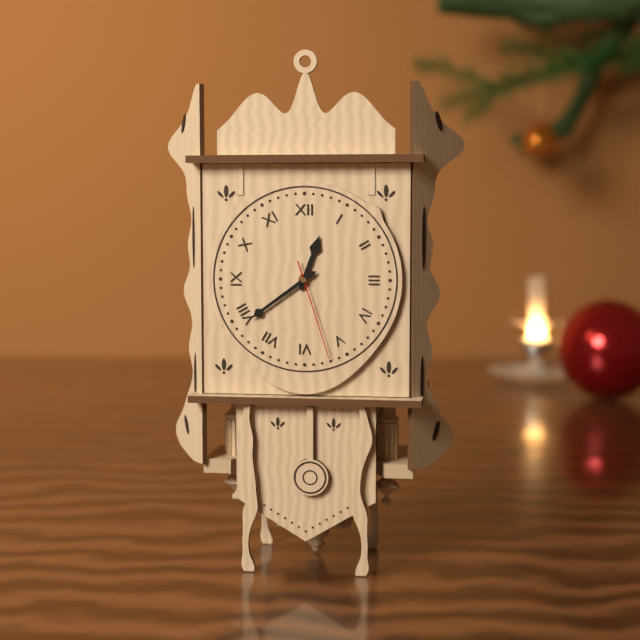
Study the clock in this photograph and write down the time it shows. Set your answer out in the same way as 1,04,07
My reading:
12,39,27
